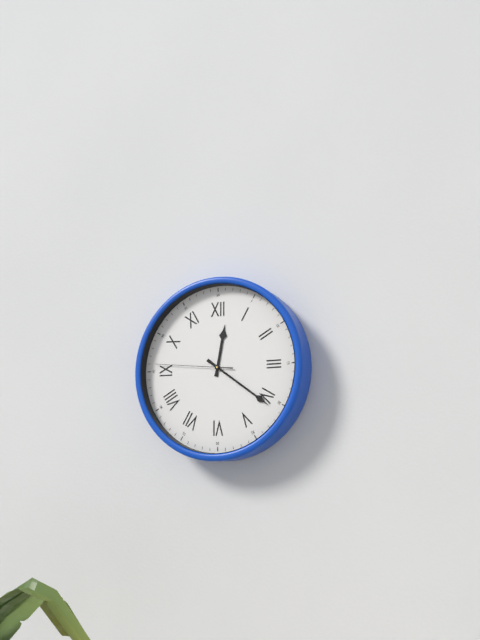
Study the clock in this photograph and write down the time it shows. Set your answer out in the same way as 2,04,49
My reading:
12,21,46
